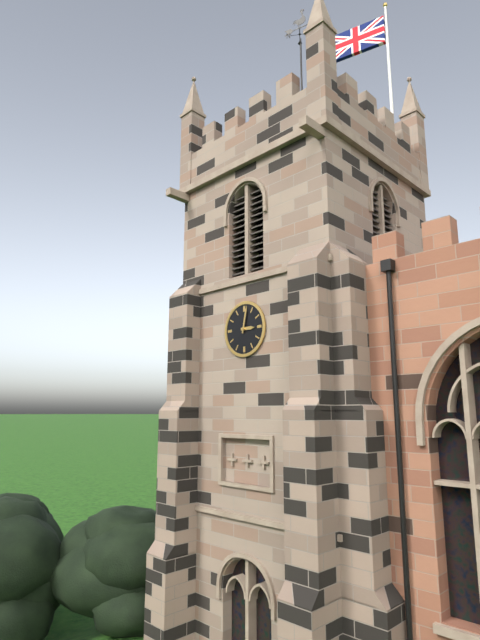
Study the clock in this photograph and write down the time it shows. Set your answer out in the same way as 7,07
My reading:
3,02
